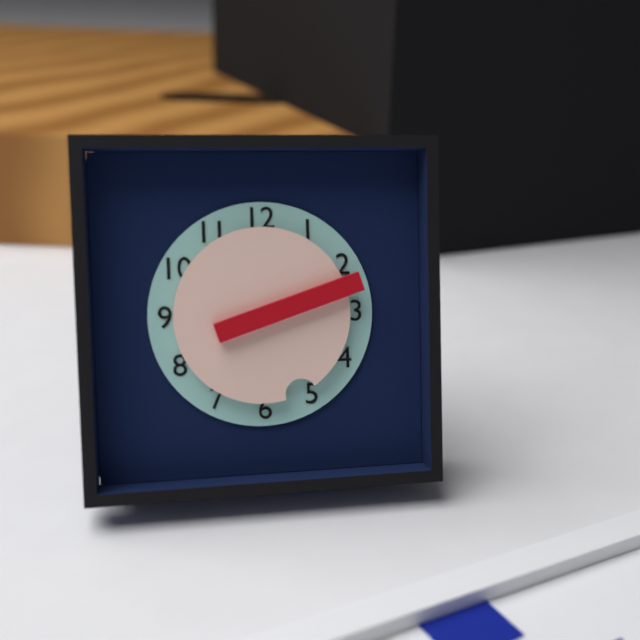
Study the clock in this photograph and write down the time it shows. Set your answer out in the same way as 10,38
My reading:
5,12
